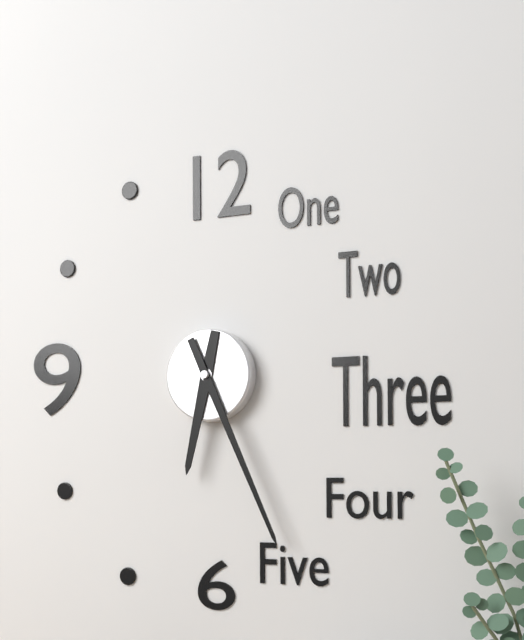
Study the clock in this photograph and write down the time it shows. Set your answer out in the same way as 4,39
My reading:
6,26
